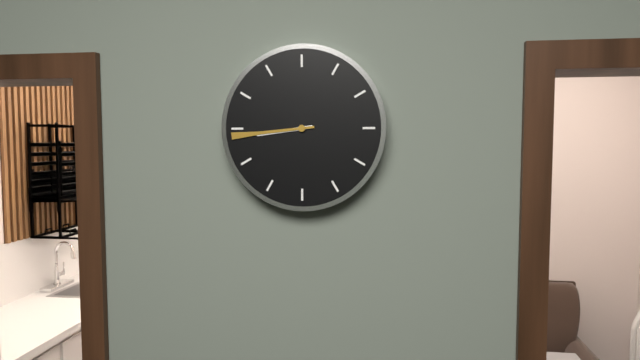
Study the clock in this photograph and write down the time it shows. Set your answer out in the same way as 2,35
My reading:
8,44
